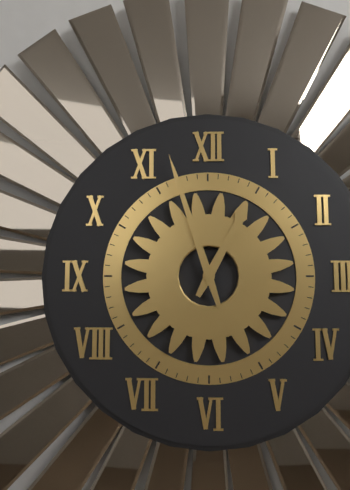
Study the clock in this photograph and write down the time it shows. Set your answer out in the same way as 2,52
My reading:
12,57
